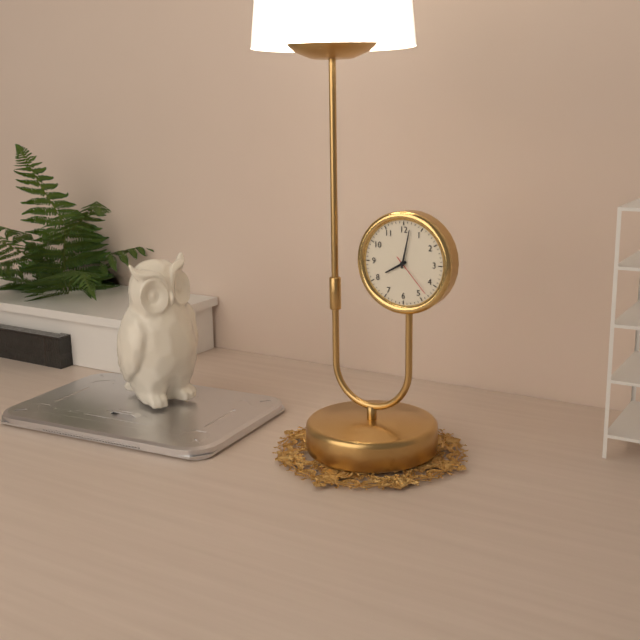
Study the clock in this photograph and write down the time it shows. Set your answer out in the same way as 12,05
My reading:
8,02
